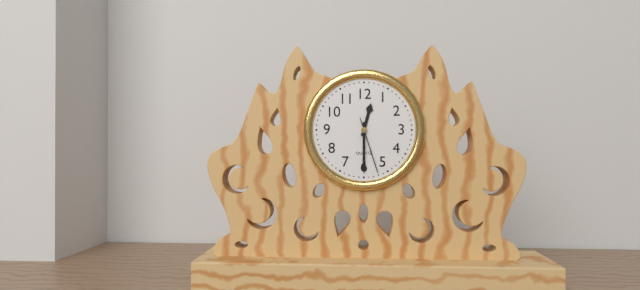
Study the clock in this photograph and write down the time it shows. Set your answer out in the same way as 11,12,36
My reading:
12,30,27
